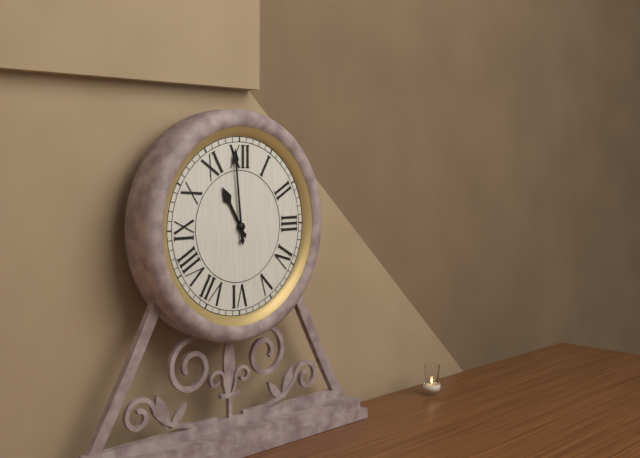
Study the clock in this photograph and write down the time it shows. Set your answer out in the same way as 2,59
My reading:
10,59
